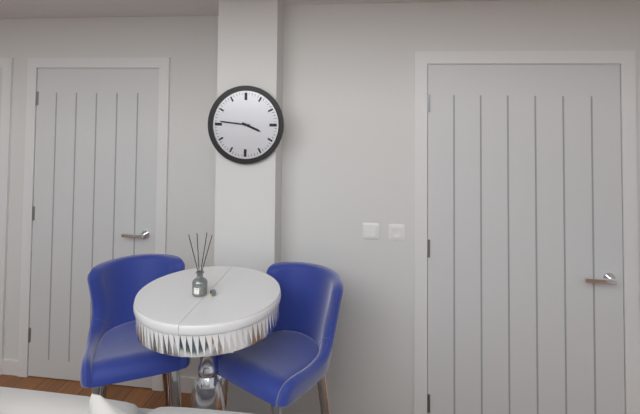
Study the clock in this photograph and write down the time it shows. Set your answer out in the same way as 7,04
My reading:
3,46
